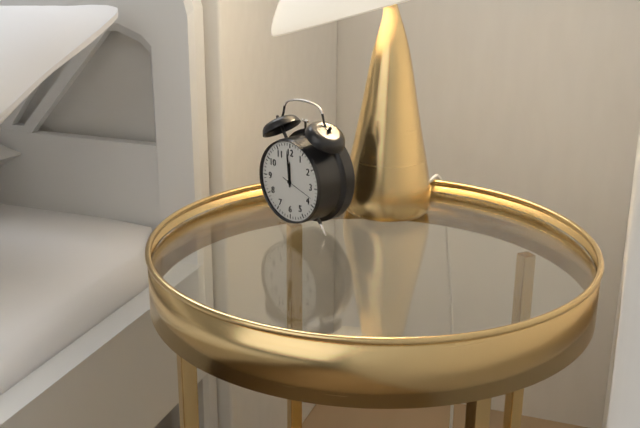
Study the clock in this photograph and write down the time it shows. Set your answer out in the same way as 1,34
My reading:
11,59
